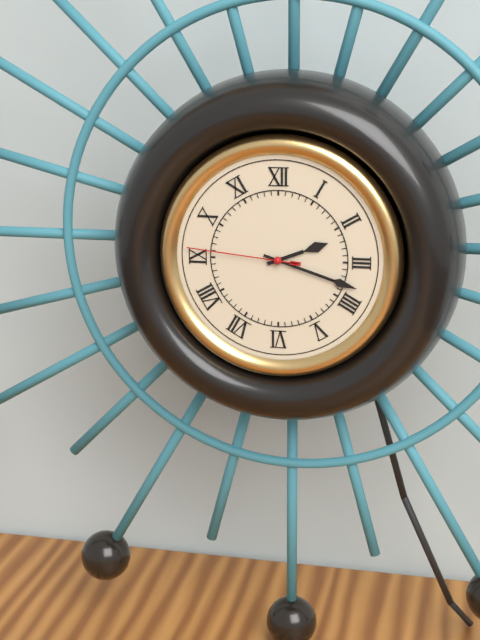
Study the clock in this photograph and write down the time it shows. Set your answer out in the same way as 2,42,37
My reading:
2,18,46
